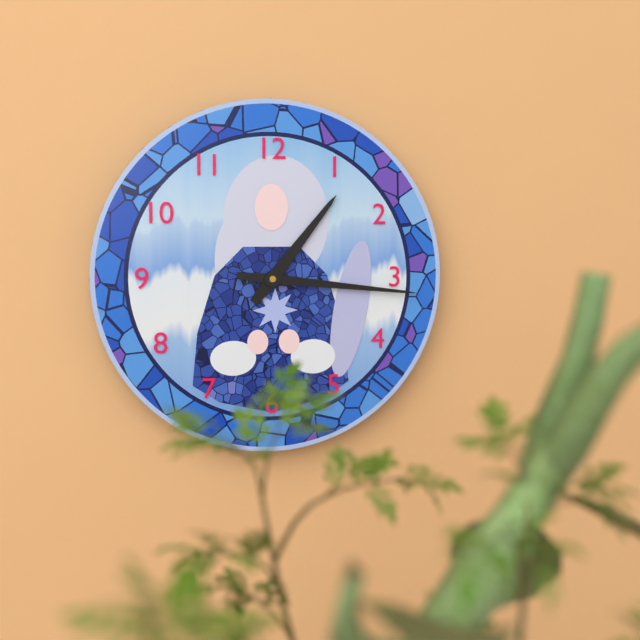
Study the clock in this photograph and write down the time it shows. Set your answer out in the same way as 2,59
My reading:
1,16
